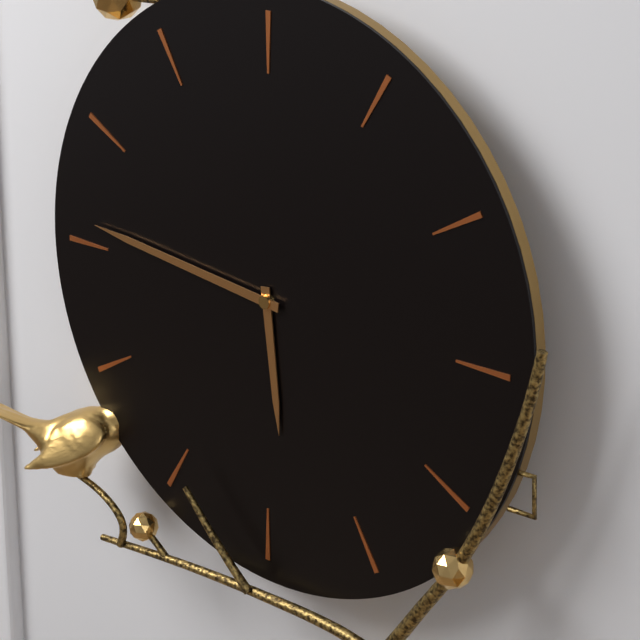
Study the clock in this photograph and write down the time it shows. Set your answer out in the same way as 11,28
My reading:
5,46
